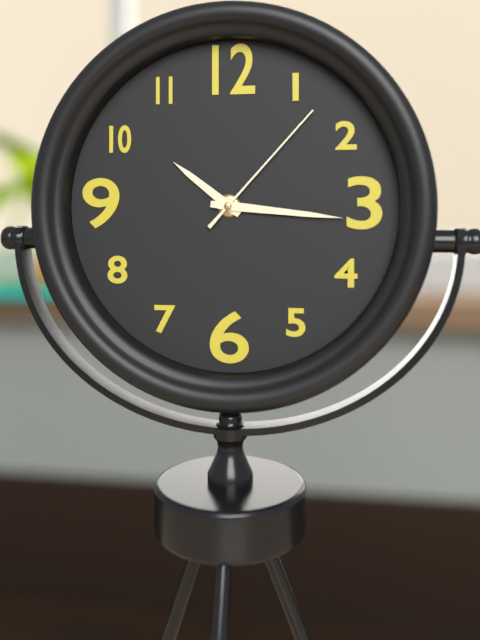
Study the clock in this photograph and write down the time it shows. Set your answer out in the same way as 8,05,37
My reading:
10,16,07
